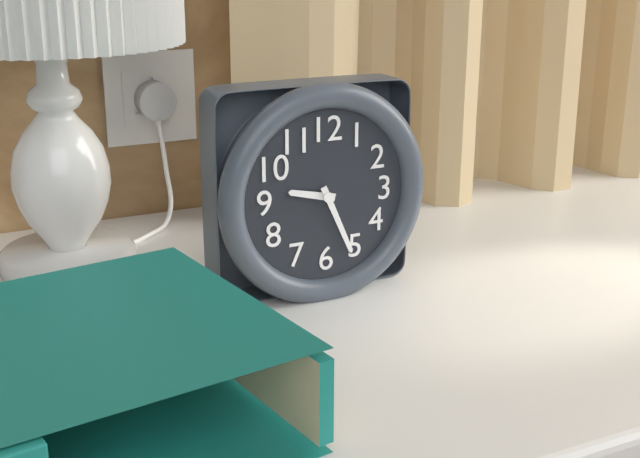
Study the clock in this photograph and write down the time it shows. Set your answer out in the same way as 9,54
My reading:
9,26
